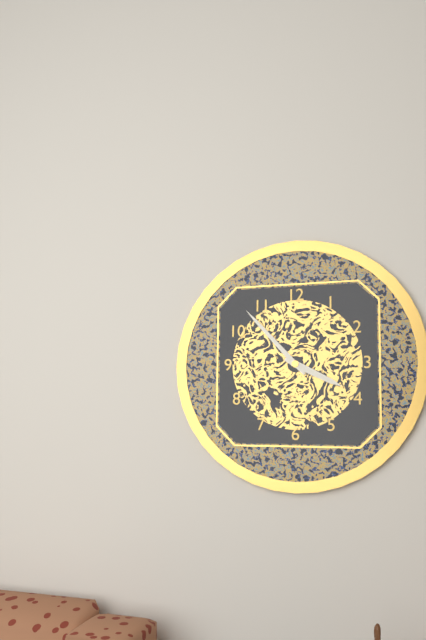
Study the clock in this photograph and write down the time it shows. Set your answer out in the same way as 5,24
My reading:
3,53
